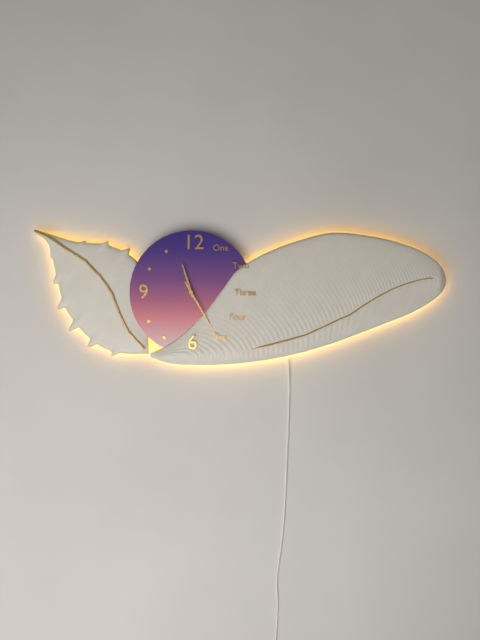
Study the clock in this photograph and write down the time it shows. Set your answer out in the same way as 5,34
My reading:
11,25
